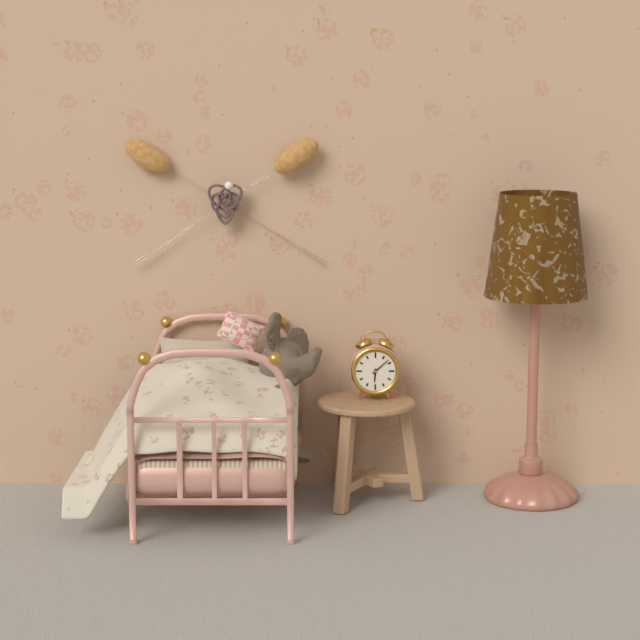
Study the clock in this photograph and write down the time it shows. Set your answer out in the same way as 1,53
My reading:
6,08
